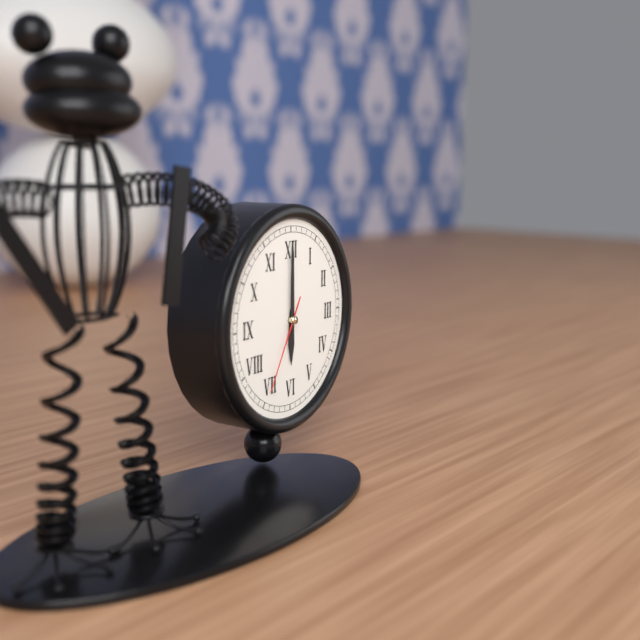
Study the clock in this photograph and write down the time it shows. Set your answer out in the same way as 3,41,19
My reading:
6,00,35
